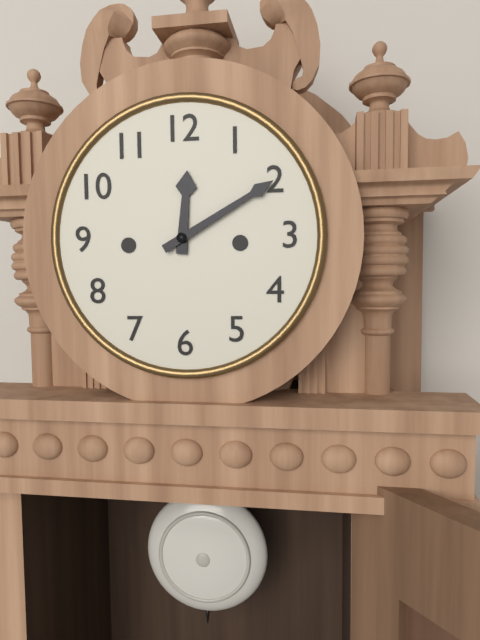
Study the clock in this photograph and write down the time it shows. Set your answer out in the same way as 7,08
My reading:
12,10
